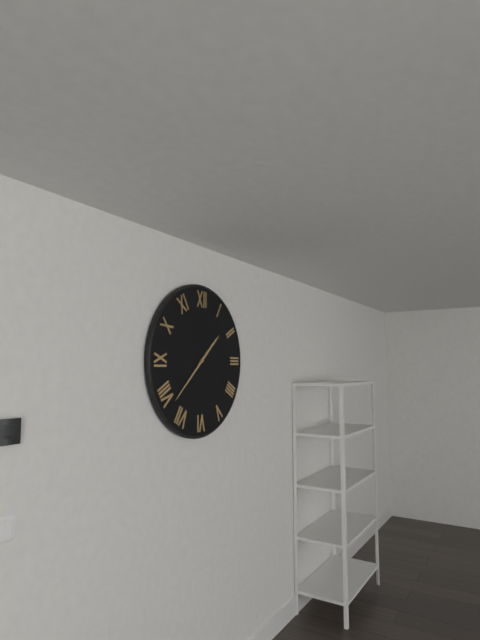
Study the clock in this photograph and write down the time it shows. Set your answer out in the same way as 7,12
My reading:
1,38
